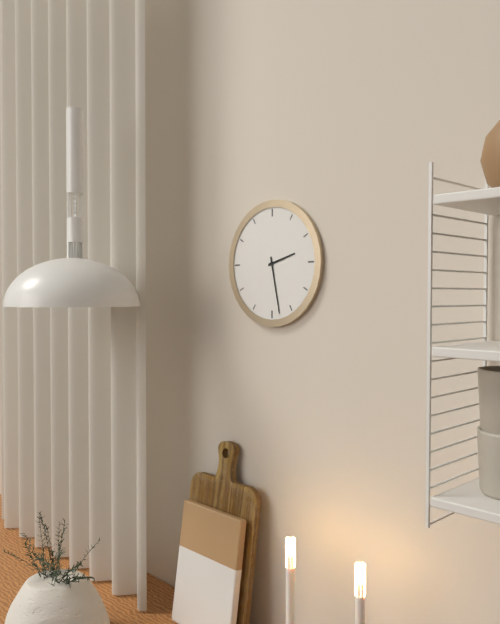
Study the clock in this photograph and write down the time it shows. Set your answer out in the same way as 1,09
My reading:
2,28
